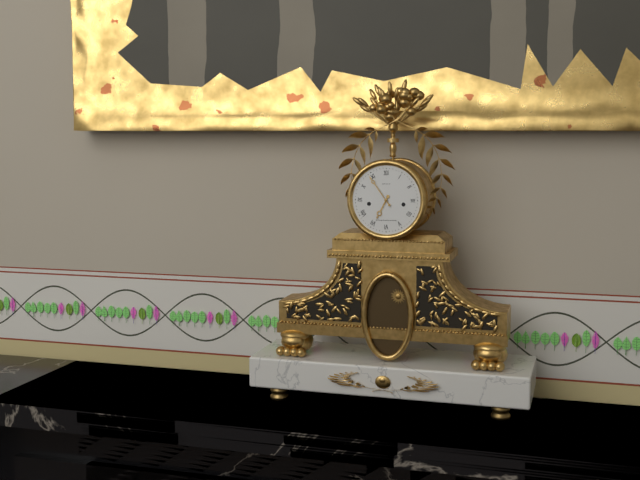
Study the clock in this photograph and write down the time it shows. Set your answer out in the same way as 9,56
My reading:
6,54
